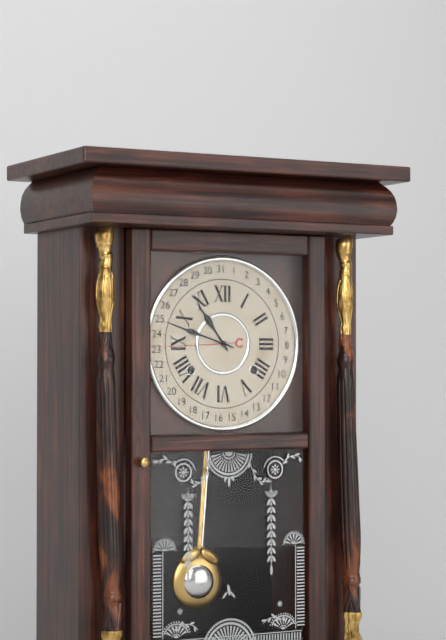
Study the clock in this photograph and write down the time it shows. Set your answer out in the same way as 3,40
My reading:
10,48
